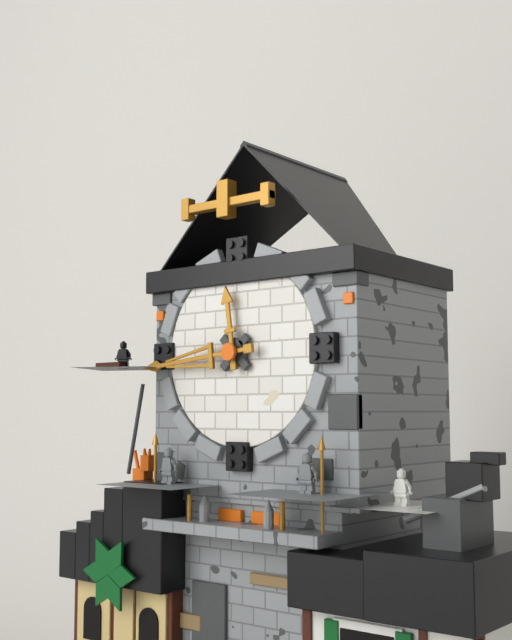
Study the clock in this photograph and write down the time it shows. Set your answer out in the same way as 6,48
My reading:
11,44
